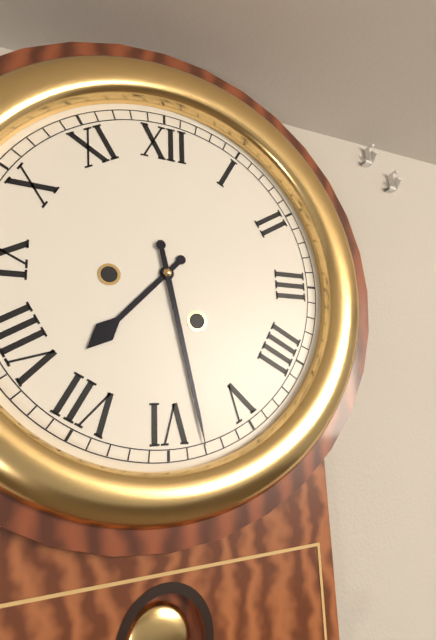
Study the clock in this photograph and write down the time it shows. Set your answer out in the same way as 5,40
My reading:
7,28
